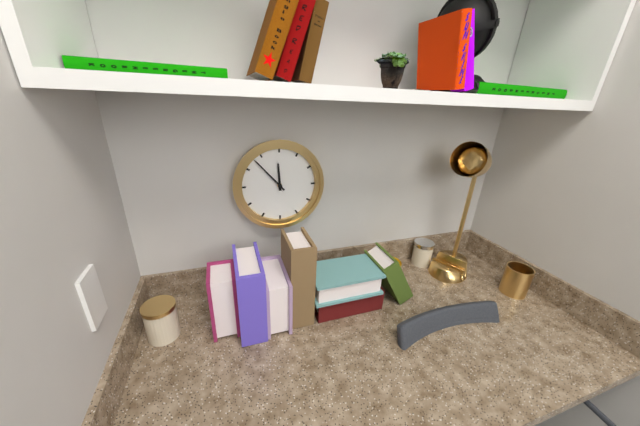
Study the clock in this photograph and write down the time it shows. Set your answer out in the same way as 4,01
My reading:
11,53
